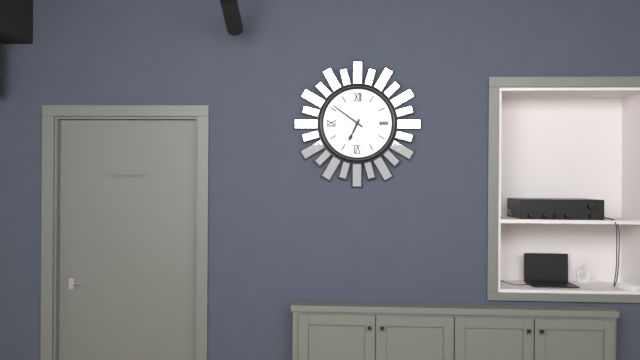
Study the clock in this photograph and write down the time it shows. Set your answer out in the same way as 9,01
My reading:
6,51
